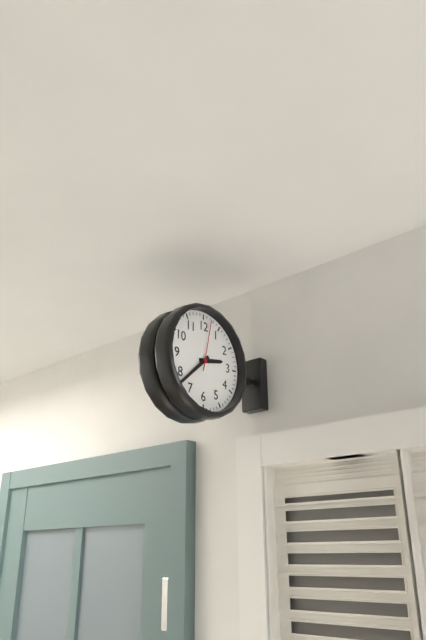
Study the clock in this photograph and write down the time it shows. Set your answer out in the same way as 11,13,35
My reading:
2,38,02
